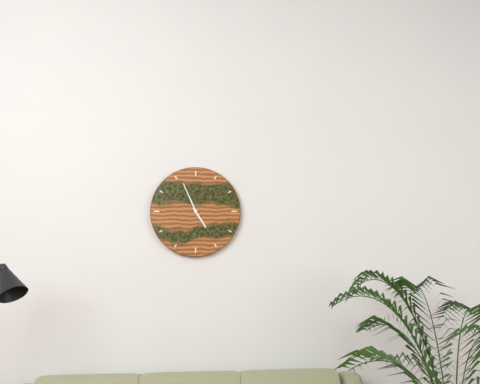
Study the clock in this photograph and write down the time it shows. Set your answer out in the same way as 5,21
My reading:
4,56
